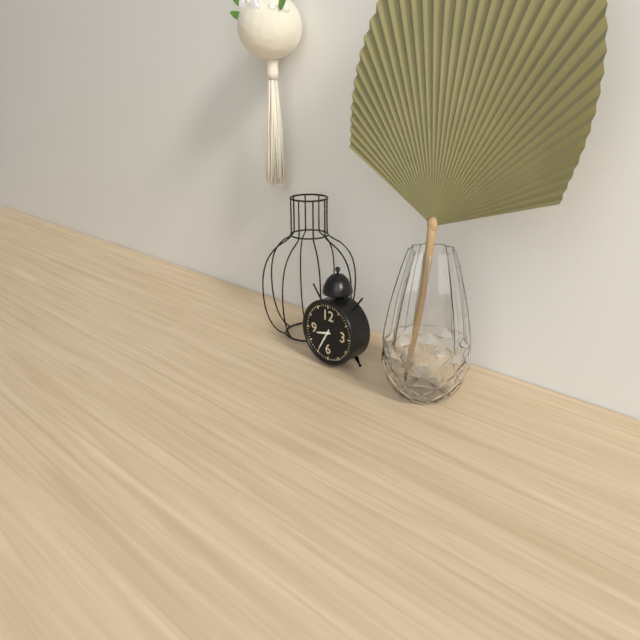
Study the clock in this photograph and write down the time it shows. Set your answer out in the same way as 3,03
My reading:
8,35
